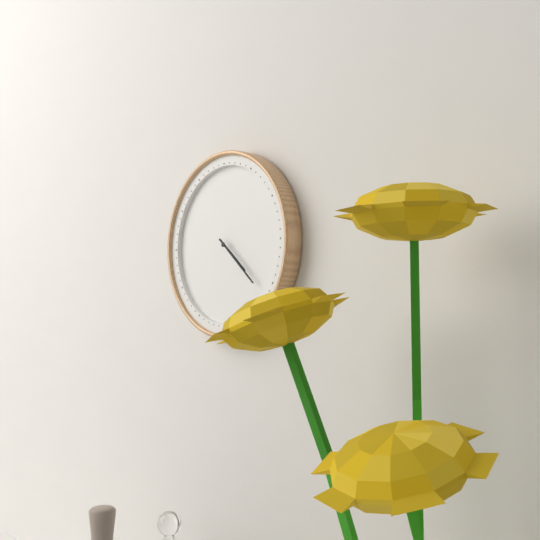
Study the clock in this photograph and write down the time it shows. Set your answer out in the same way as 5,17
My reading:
4,22
